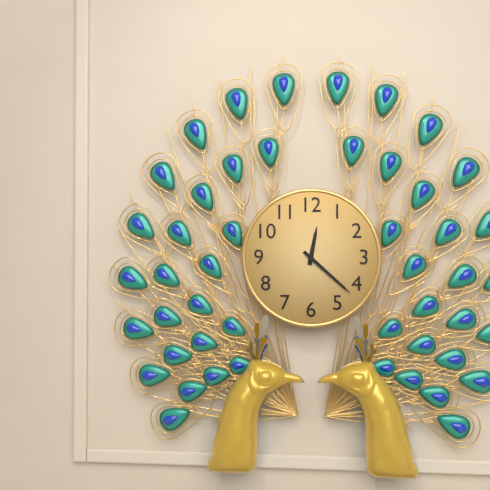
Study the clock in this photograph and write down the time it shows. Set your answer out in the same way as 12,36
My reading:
12,22
